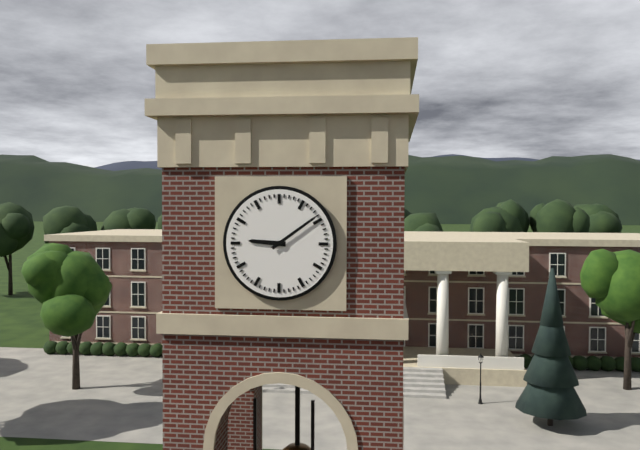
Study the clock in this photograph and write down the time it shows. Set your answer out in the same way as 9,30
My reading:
9,09
